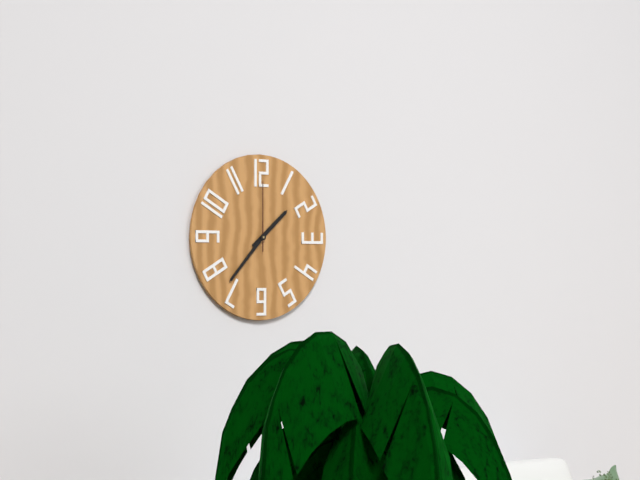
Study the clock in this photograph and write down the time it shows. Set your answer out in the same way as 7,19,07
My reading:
1,37,00
